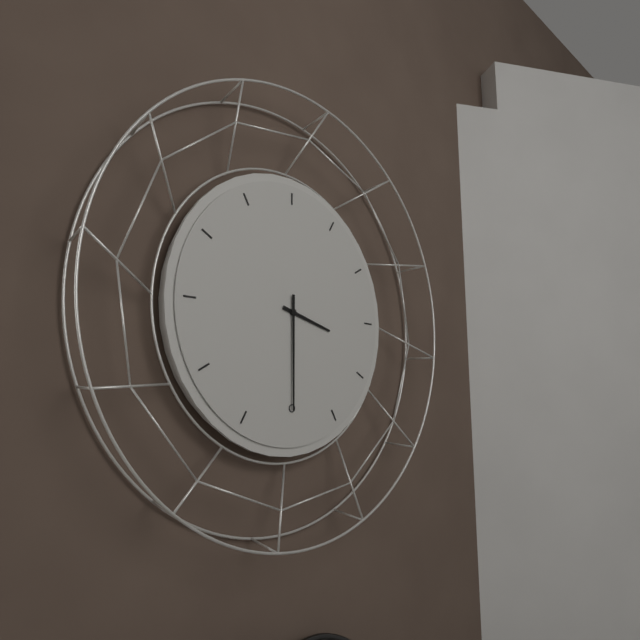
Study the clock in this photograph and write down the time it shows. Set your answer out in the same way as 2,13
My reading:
3,30
